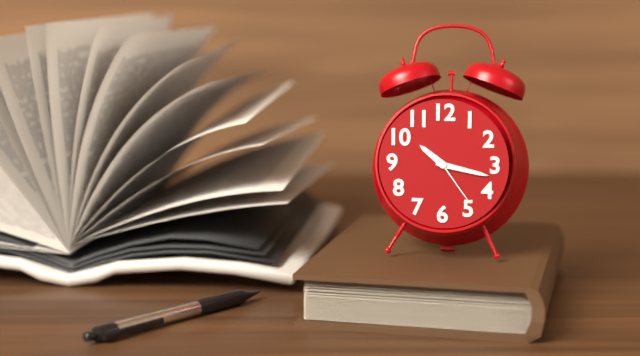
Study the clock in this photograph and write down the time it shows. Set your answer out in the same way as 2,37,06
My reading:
10,17,24
